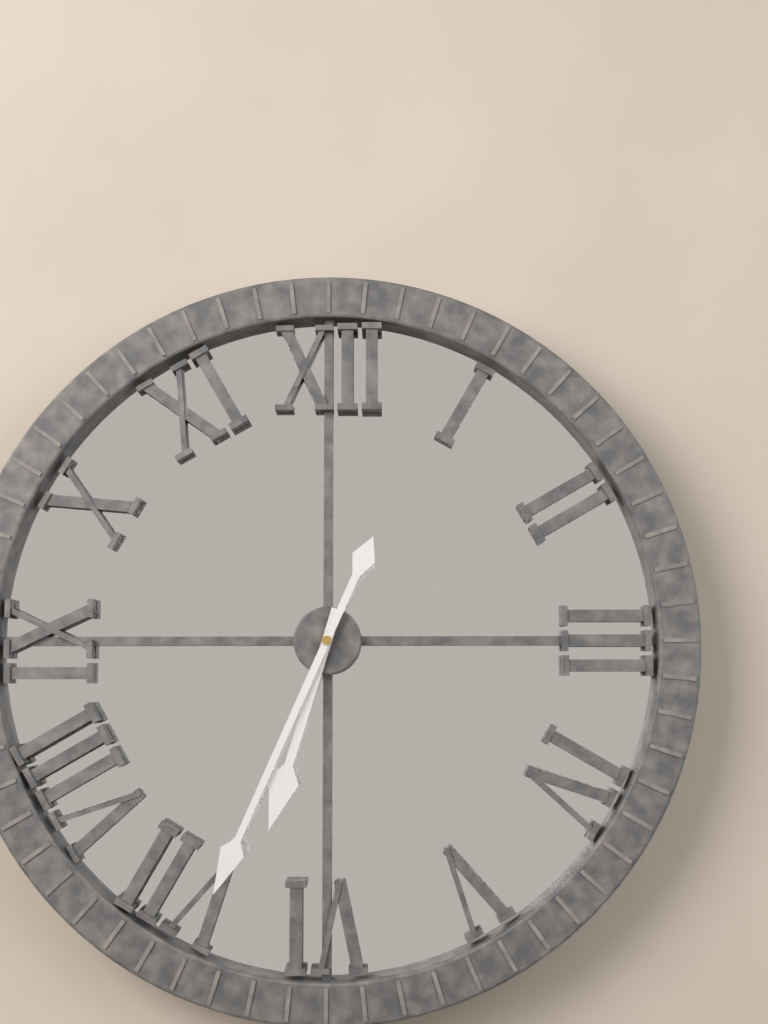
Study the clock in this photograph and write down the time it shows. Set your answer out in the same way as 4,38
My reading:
6,34
